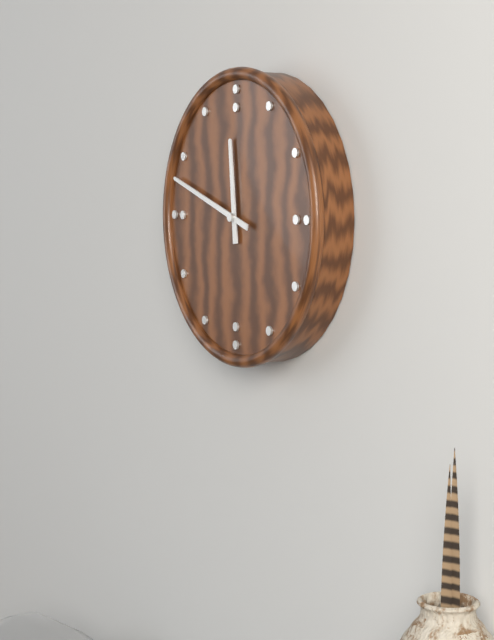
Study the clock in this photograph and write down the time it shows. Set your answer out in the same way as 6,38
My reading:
11,48
